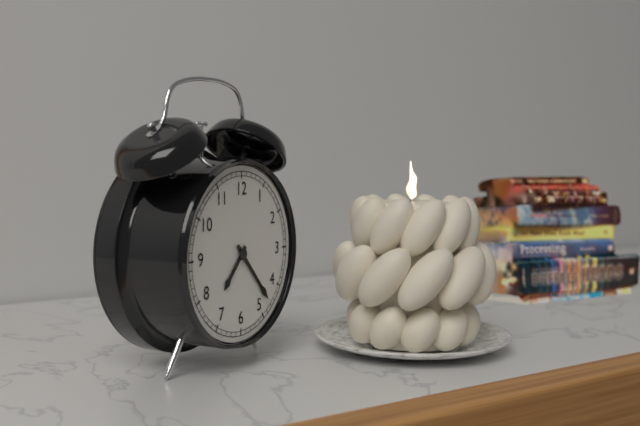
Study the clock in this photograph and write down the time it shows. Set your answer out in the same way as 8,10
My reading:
7,23
